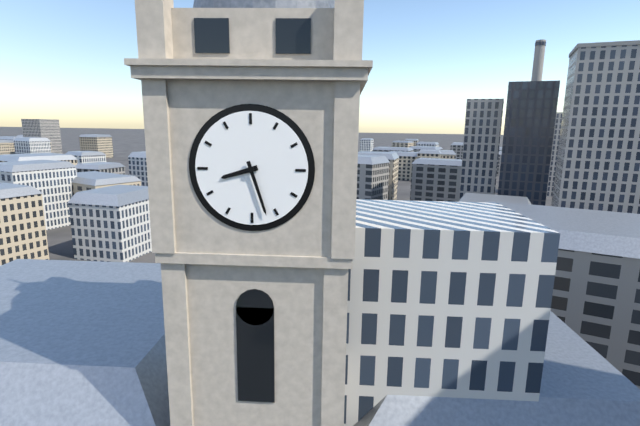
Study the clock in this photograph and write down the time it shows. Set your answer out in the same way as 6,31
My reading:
8,27
